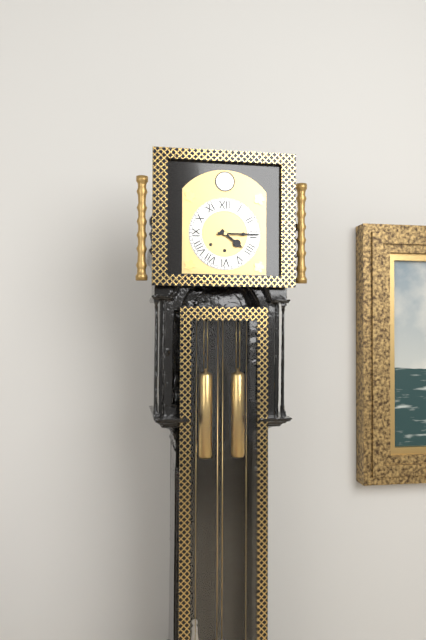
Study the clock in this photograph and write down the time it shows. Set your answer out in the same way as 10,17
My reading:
4,15
